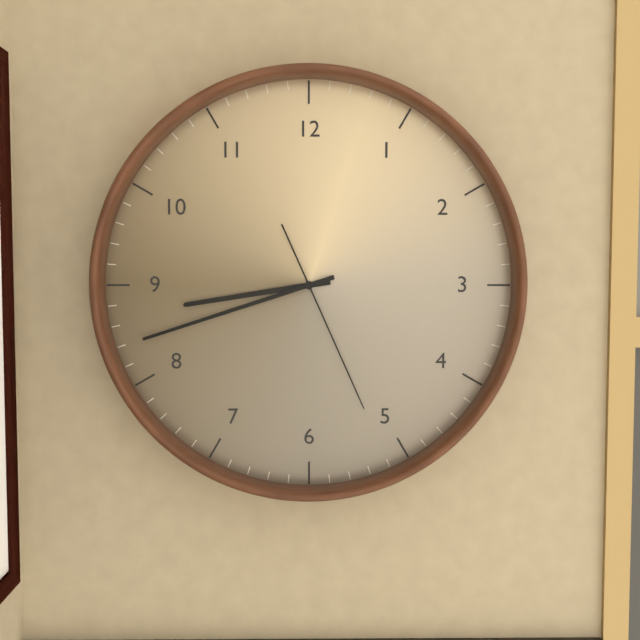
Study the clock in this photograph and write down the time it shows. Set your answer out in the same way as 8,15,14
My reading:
8,42,26
